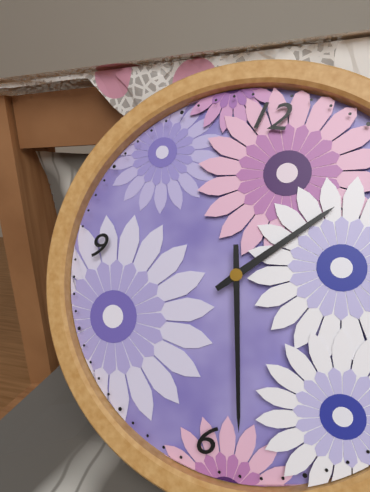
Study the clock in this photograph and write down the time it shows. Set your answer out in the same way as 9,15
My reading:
1,28
